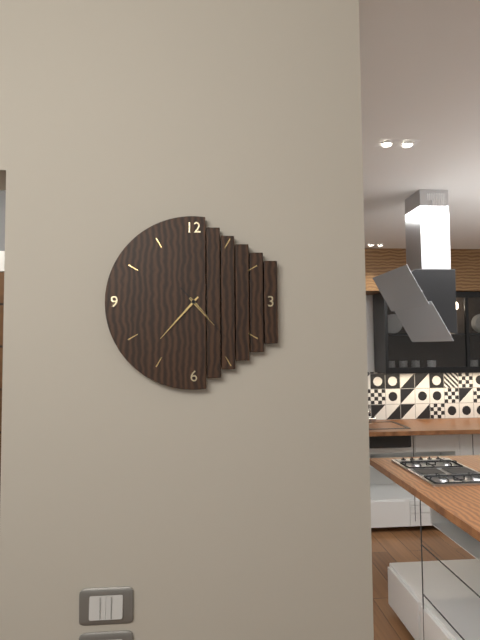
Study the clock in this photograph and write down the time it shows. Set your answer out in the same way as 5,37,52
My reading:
4,37,23
